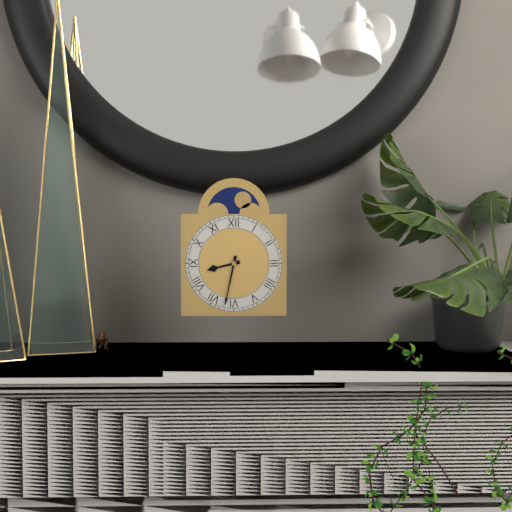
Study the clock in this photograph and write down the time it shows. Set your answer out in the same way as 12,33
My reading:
8,32
